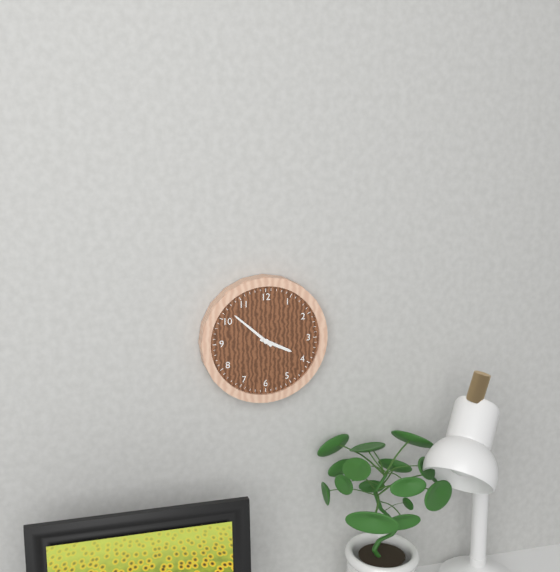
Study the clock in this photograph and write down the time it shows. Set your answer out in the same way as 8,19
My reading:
3,52
